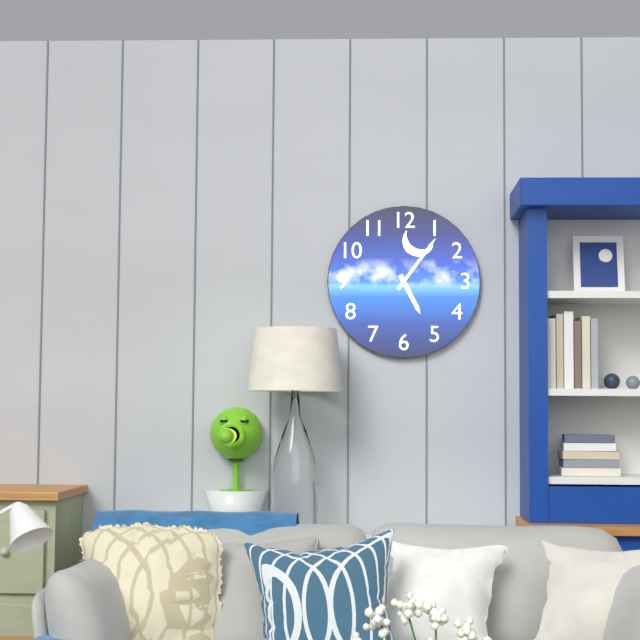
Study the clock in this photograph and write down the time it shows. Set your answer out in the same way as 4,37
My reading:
5,06
